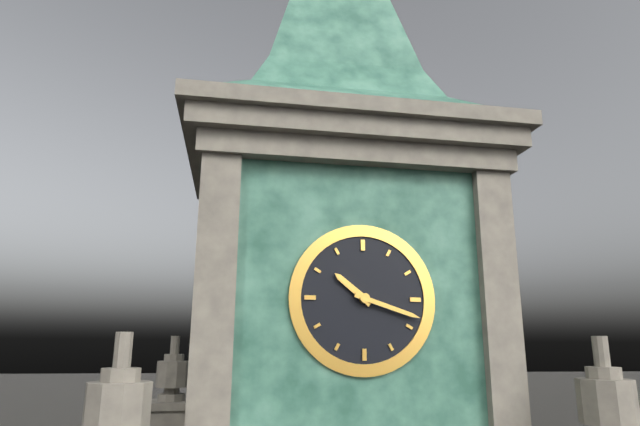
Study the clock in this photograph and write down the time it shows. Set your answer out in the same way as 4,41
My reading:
10,18
